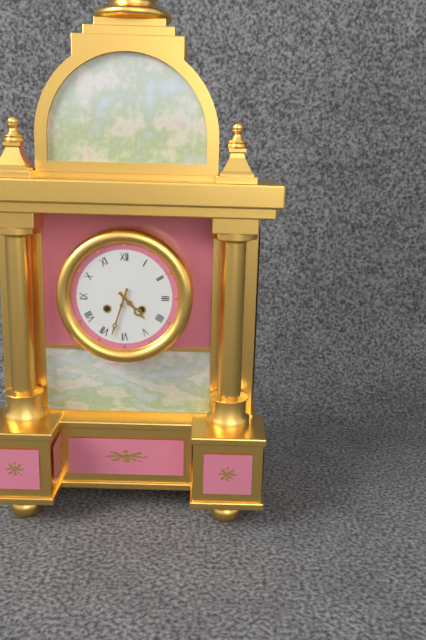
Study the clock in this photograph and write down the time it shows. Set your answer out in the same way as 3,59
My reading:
4,33
